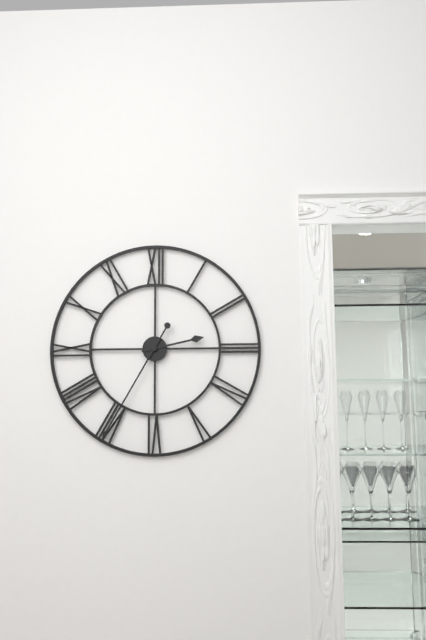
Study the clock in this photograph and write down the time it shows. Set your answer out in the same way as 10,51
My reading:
2,35
